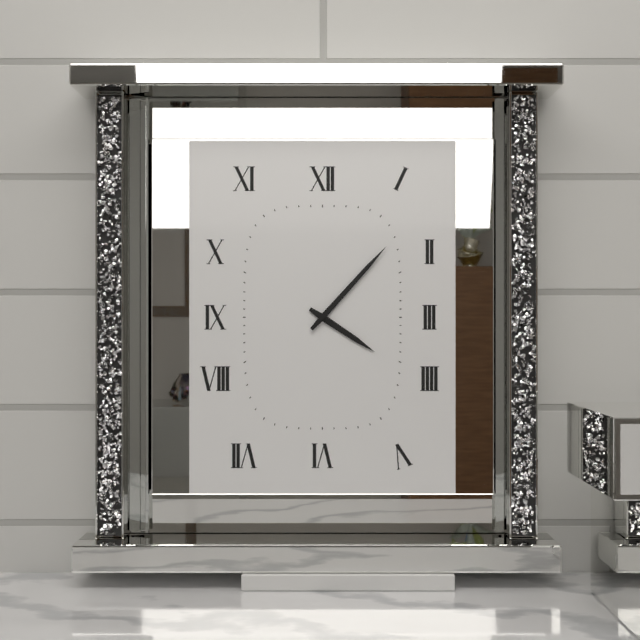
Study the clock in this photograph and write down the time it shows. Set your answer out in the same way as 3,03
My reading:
4,07
